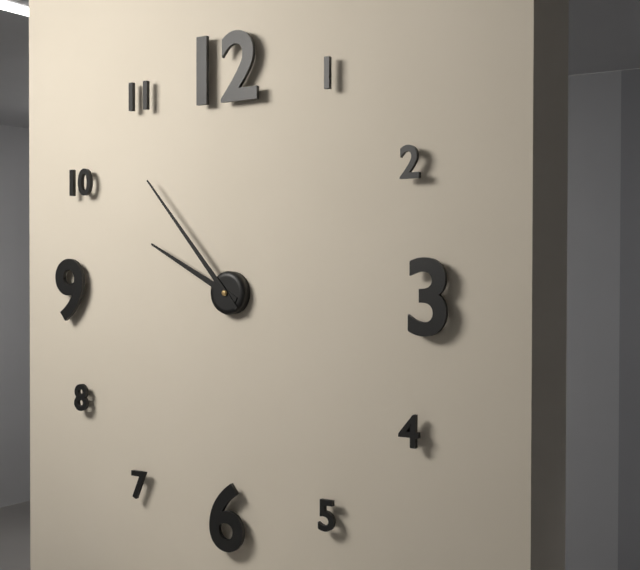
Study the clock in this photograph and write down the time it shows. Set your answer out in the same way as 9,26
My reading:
9,53
